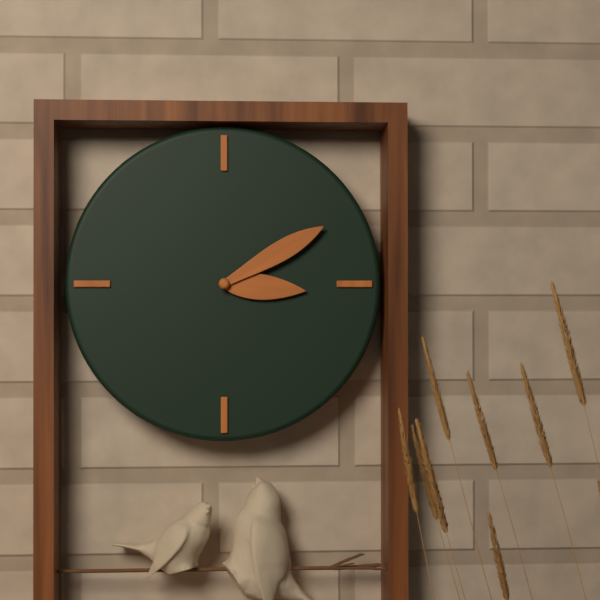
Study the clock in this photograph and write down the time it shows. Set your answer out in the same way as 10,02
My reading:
3,10
